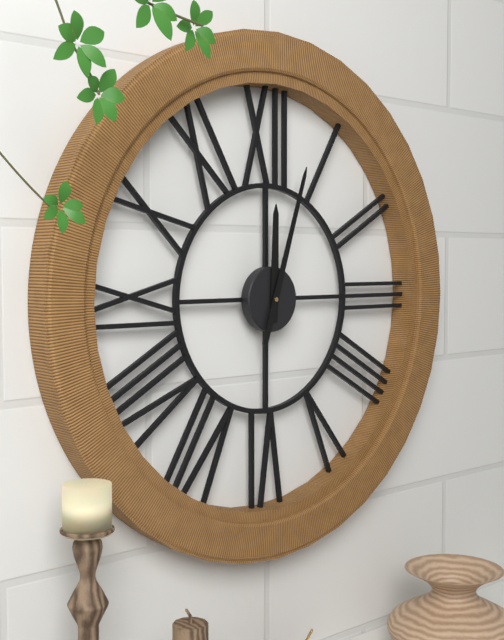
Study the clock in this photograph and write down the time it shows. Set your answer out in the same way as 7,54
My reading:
12,03
